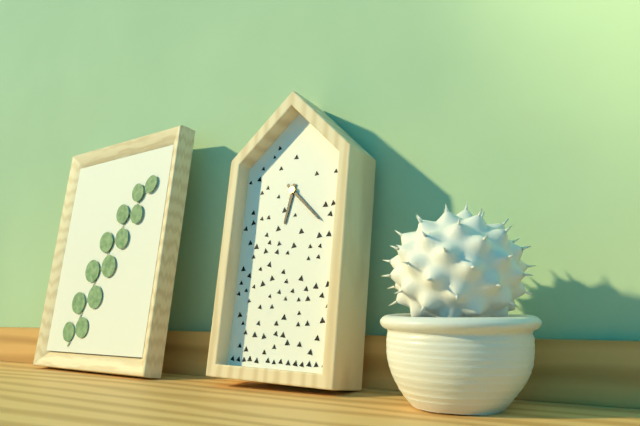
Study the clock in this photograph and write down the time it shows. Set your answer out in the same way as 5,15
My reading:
6,22
